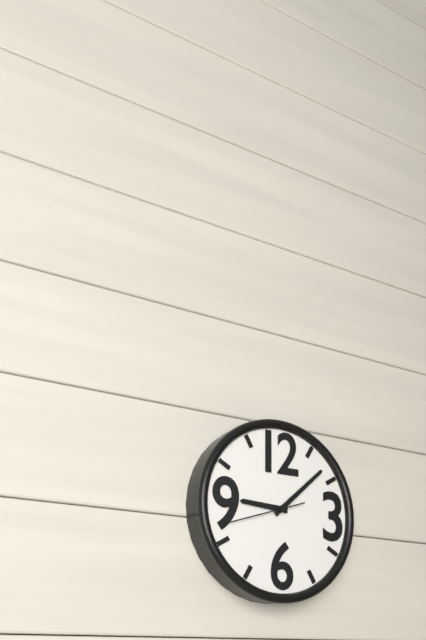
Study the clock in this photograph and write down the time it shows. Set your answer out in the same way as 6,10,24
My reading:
9,08,42
